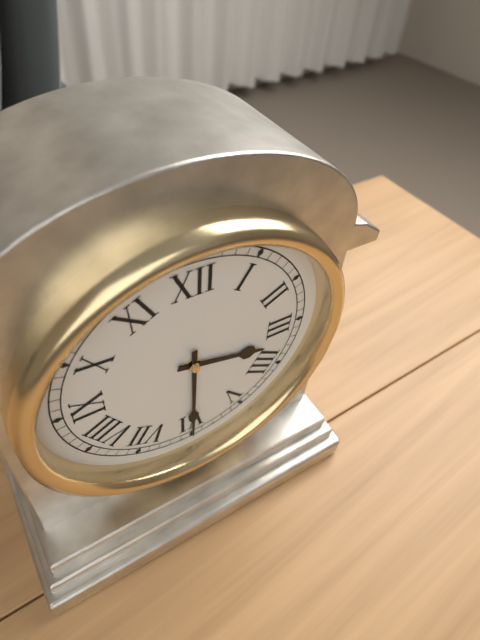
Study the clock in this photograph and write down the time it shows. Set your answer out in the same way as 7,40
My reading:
3,30
